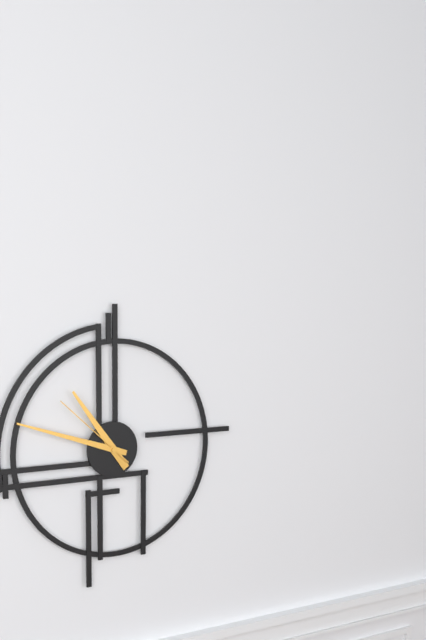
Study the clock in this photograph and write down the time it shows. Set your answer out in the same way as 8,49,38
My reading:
10,48,52
